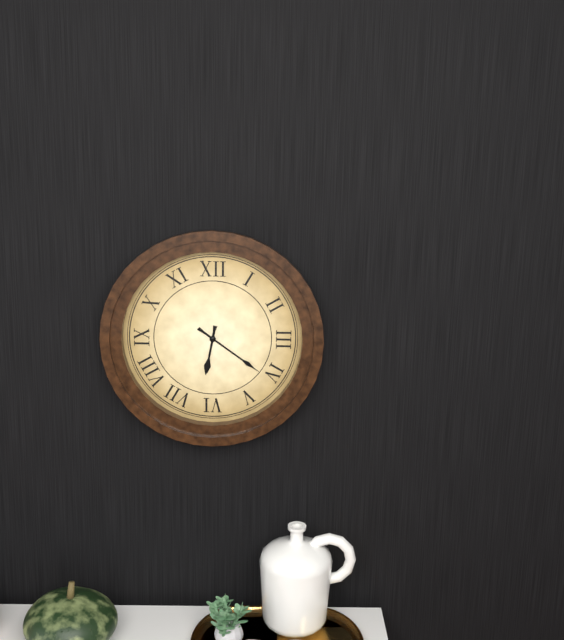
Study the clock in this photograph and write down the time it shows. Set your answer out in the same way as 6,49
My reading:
6,21
